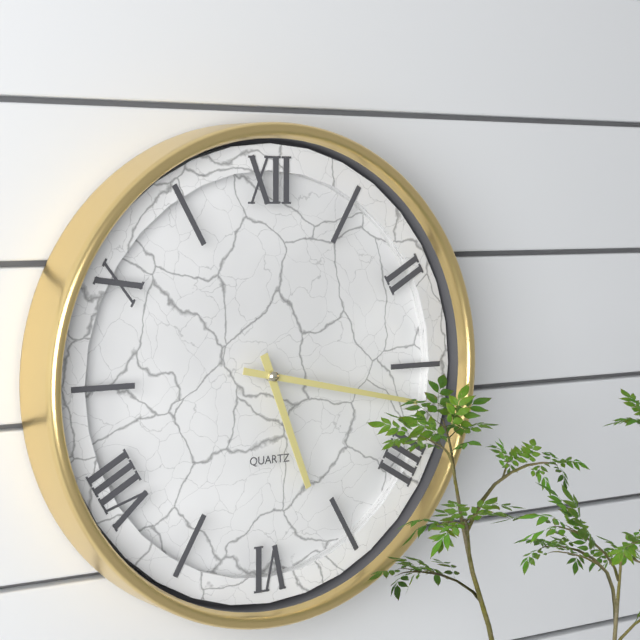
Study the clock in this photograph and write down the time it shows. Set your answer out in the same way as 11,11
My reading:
5,17
